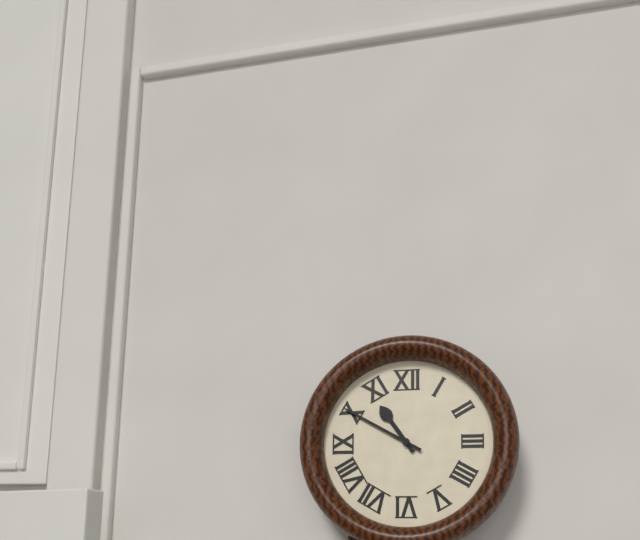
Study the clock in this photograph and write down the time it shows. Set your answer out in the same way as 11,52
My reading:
10,50
